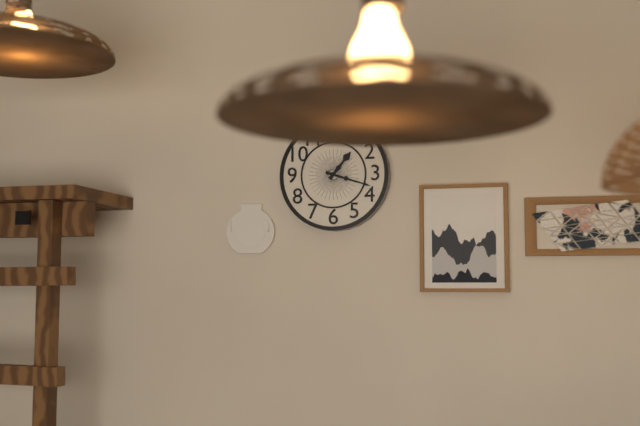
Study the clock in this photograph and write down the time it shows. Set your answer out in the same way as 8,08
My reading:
1,18
